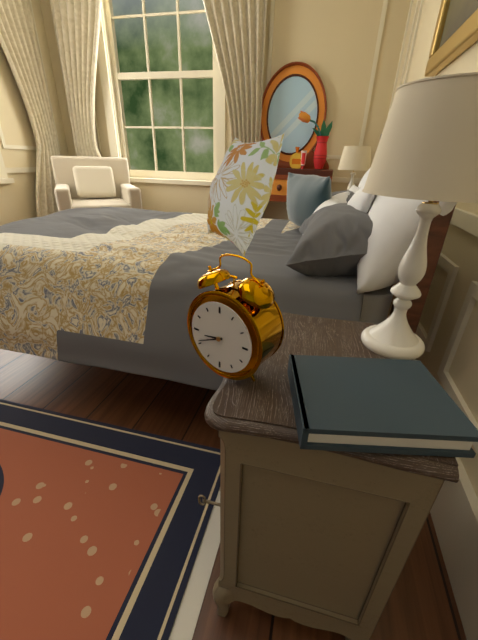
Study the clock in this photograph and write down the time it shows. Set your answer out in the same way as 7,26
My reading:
8,41
